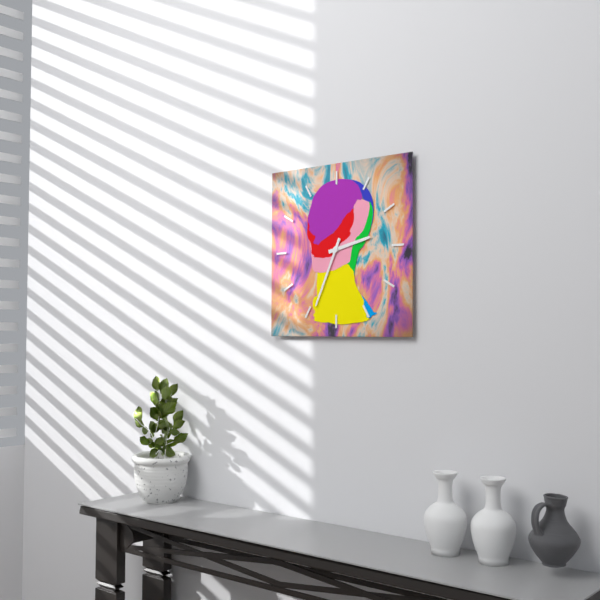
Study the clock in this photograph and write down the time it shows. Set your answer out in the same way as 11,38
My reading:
2,34
